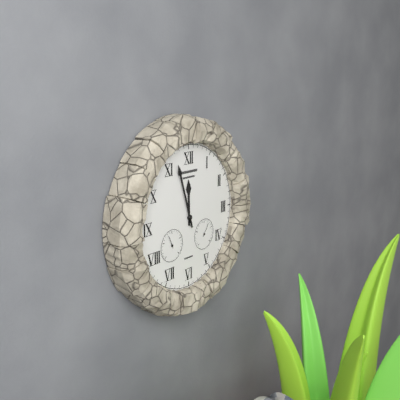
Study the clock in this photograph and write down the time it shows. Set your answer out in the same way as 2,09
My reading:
11,57
